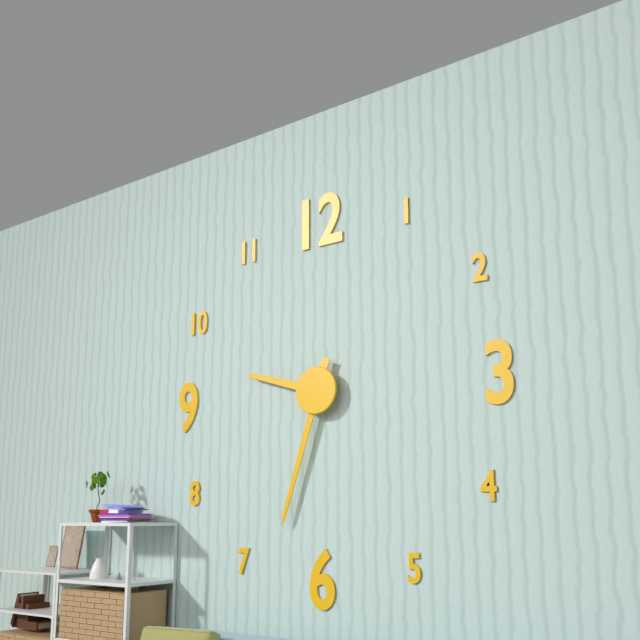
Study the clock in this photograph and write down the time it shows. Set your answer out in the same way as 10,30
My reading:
9,33
